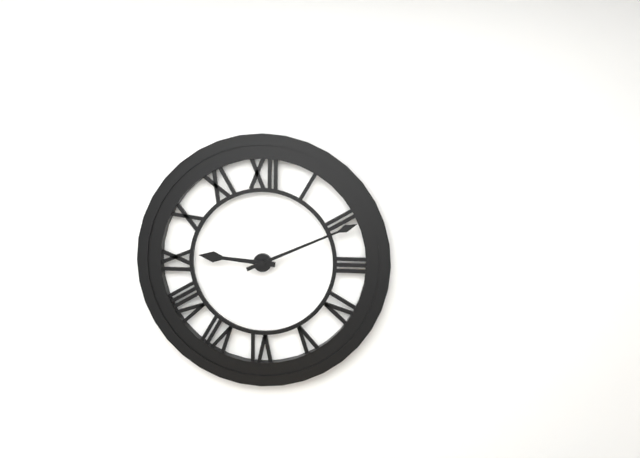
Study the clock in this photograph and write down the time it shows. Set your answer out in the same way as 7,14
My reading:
9,11
